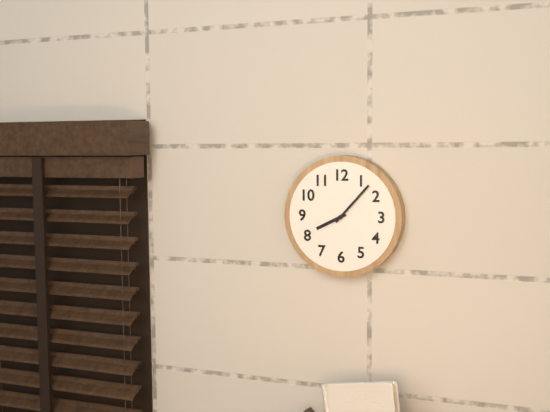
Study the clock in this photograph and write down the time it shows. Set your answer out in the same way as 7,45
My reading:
8,07
